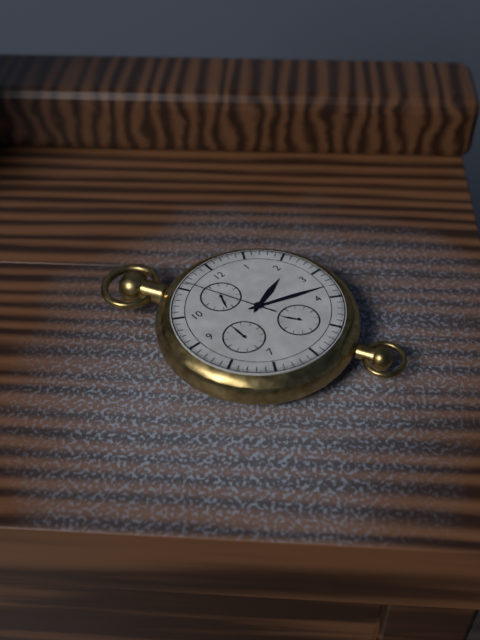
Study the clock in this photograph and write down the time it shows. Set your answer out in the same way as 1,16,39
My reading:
2,18,56
